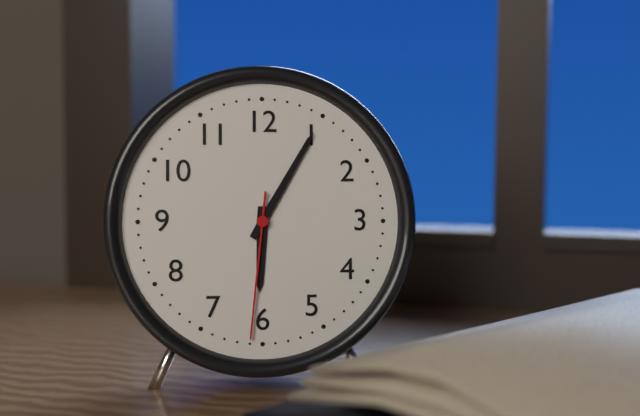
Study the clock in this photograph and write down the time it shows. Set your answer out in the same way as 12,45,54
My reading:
6,05,31
